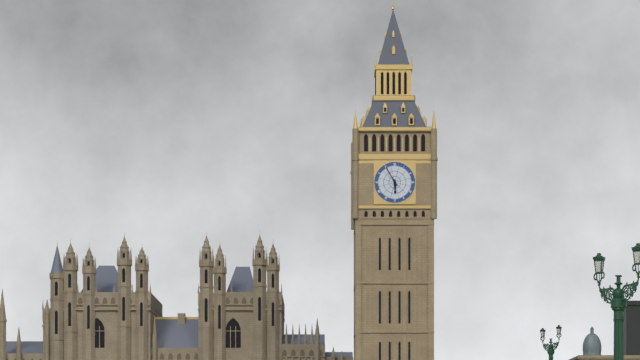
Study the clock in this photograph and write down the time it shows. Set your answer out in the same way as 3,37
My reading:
5,55
